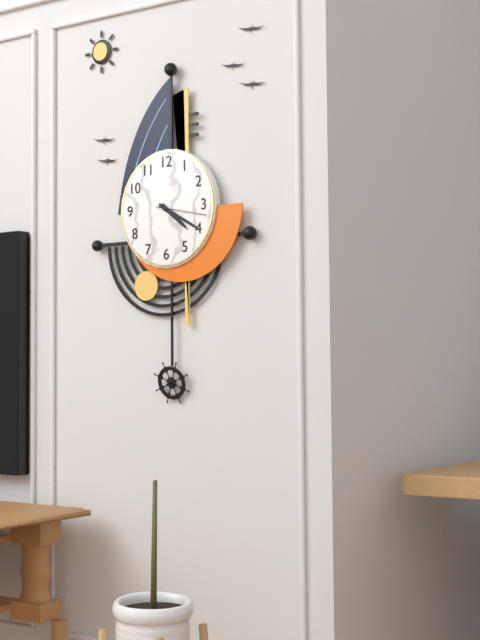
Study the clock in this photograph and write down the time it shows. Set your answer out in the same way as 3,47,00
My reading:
4,20,17
